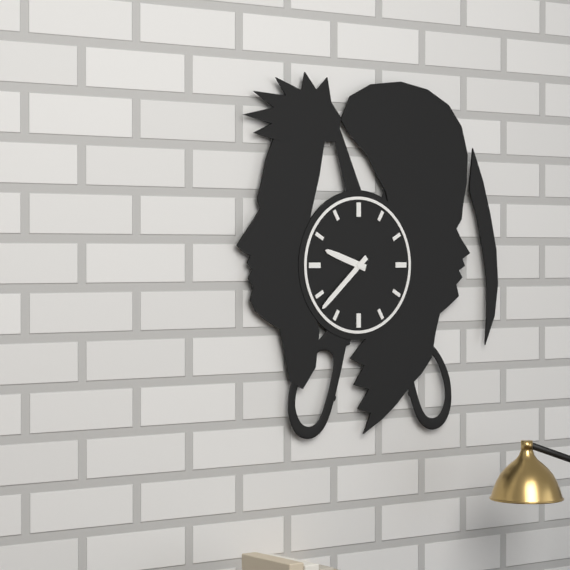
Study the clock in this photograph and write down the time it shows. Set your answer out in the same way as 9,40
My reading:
9,38
